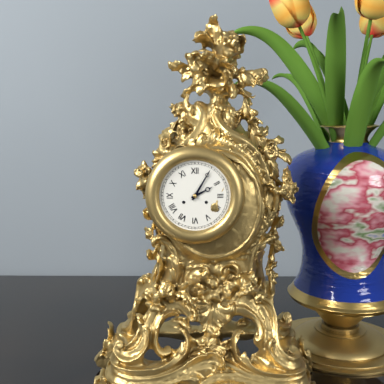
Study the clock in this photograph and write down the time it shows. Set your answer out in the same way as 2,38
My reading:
2,05
